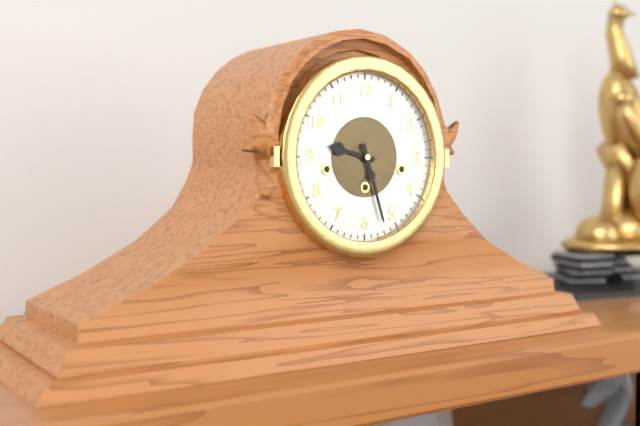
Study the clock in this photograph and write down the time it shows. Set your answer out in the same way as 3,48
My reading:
9,27
